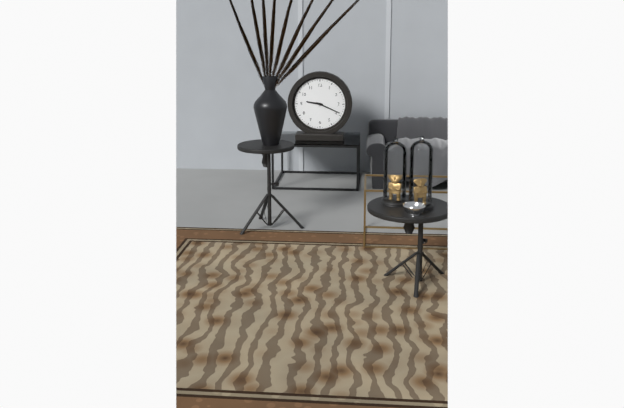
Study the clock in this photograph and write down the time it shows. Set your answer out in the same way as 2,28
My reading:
9,19
